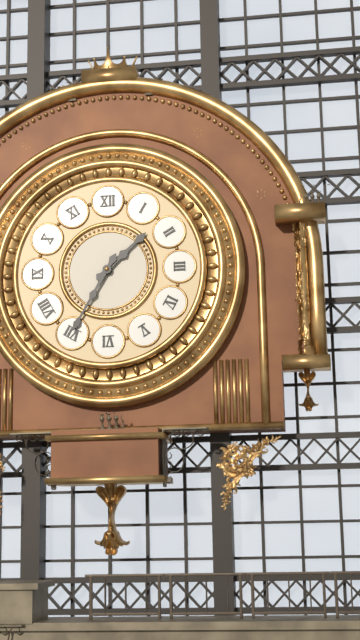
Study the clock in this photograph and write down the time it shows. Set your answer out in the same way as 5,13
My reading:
1,35
